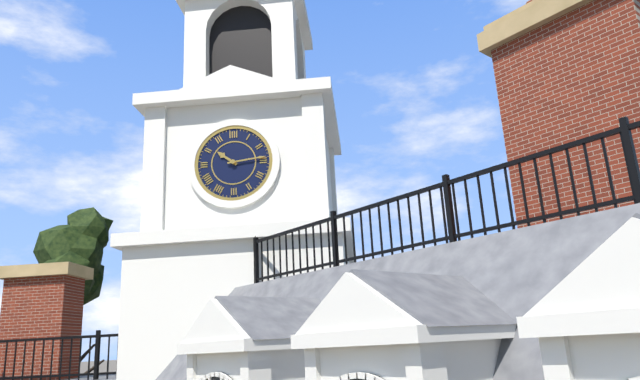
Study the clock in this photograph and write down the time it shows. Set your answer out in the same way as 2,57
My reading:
10,14
